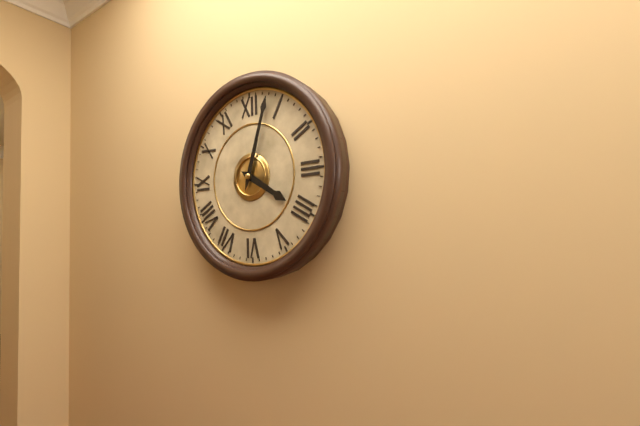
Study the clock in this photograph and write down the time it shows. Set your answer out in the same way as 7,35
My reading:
4,03
